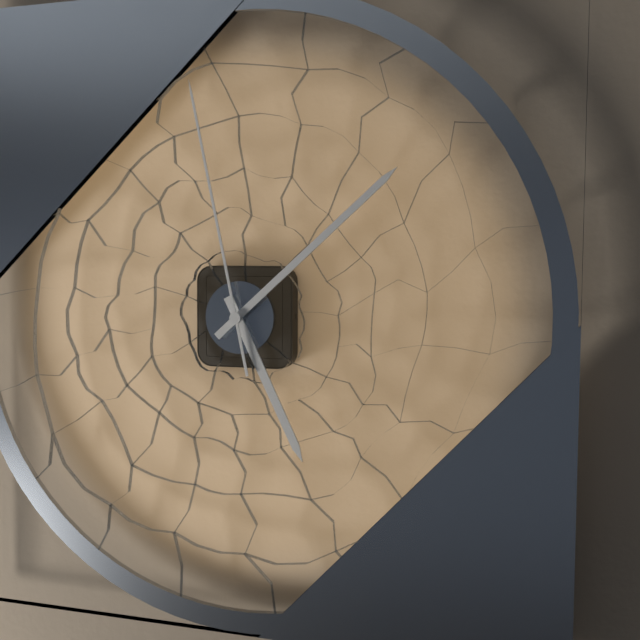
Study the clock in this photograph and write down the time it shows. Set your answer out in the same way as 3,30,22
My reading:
5,08,58
